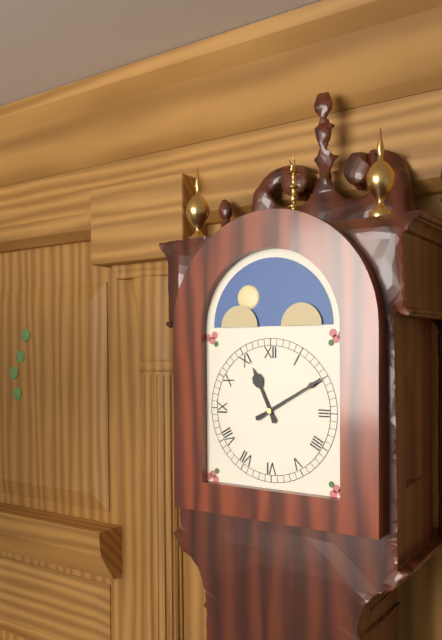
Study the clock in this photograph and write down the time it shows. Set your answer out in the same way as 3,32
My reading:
11,10
